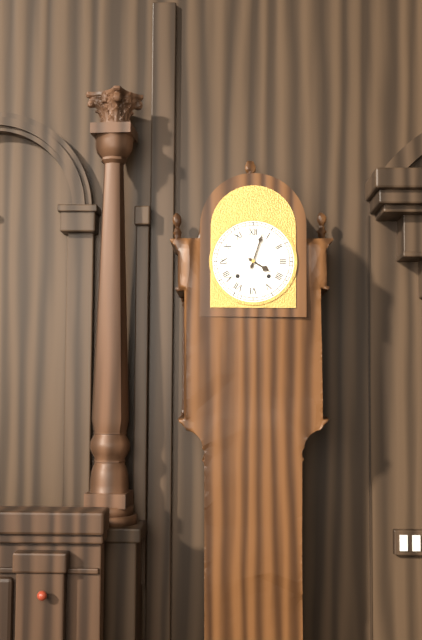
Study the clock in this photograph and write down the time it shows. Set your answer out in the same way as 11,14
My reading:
4,03
